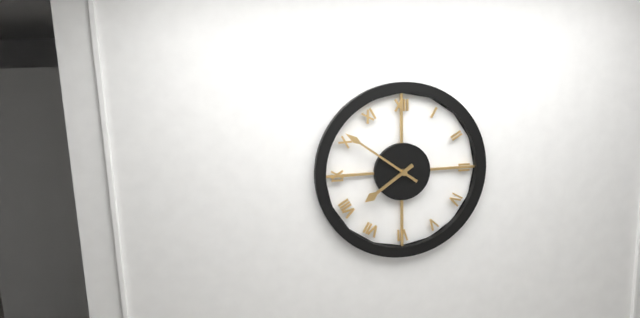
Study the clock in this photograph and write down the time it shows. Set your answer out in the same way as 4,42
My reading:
7,51
